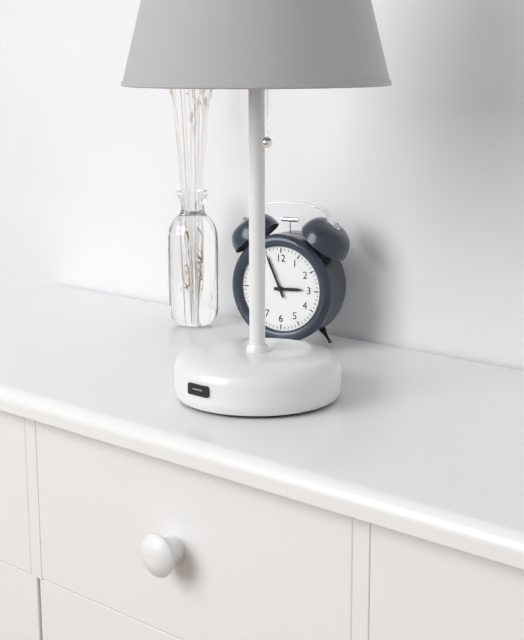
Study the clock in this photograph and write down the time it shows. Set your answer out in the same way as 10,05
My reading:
2,56
